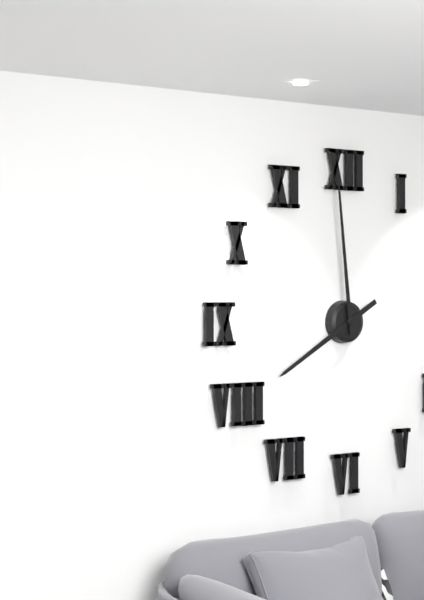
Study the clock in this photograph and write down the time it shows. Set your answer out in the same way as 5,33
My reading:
7,59
